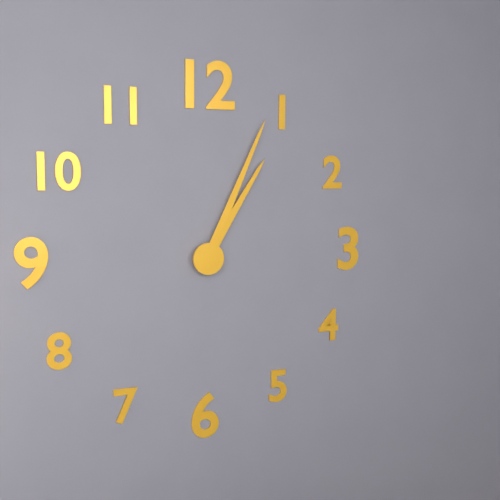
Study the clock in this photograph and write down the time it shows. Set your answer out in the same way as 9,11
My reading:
1,04
